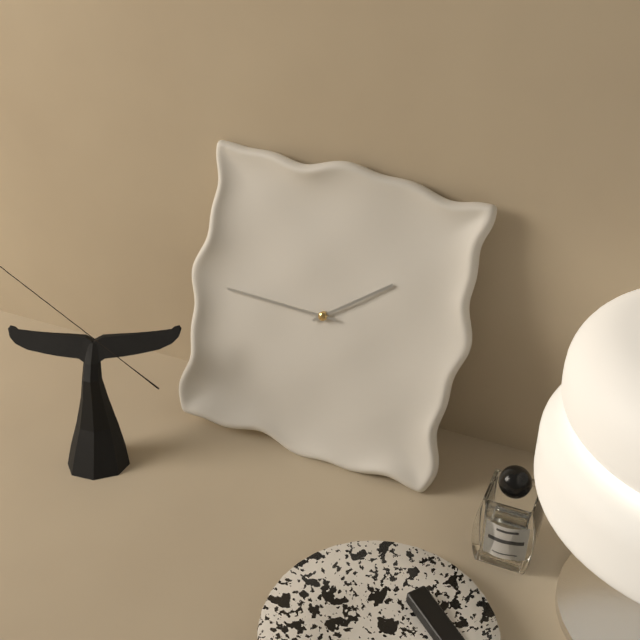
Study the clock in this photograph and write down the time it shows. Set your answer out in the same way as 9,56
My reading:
1,45
